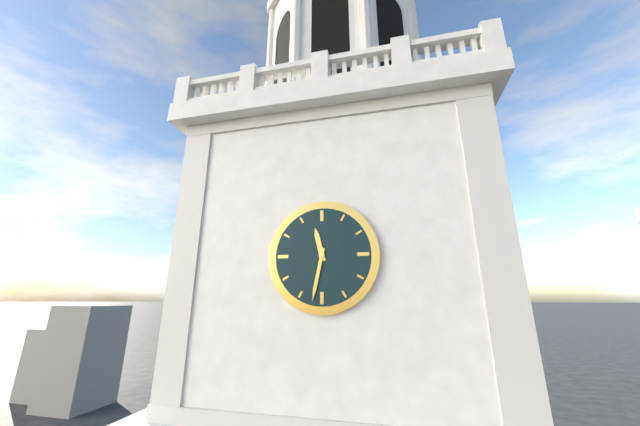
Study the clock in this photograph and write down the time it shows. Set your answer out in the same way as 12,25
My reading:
11,32
